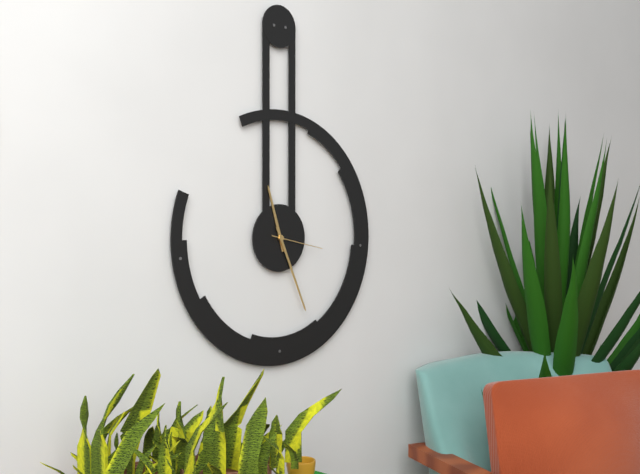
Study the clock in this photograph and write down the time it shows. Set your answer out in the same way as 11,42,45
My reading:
11,26,17
